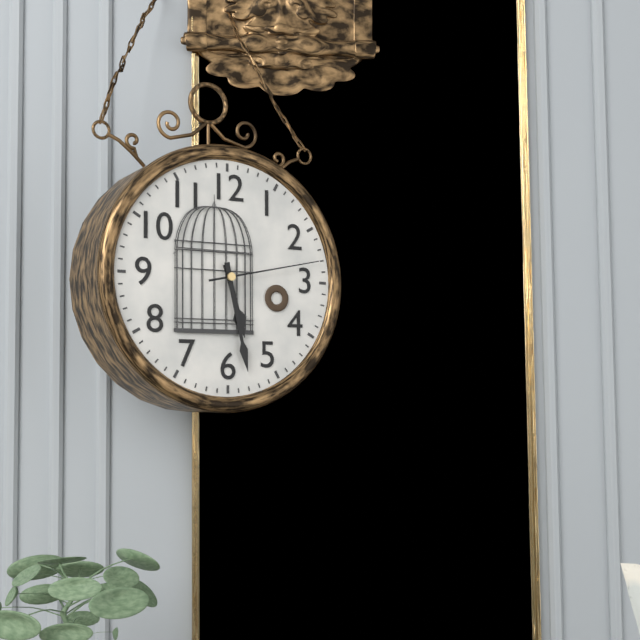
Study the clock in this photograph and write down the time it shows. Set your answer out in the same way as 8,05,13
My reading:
5,28,13
